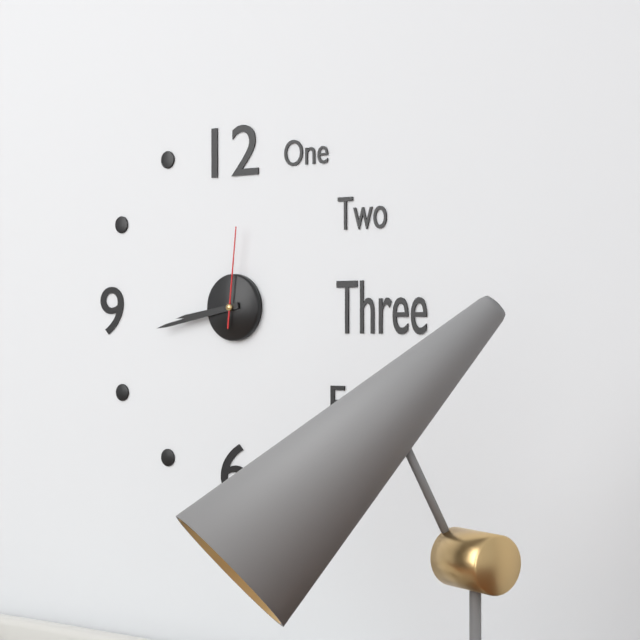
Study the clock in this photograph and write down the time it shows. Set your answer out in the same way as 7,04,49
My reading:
8,43,01
